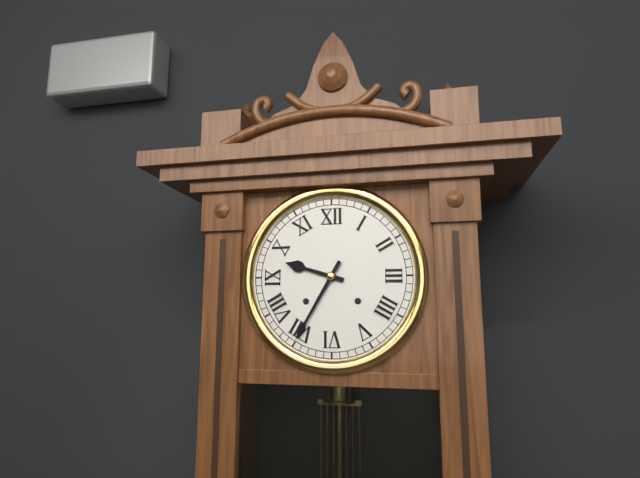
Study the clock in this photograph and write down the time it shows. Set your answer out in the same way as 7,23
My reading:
9,35
